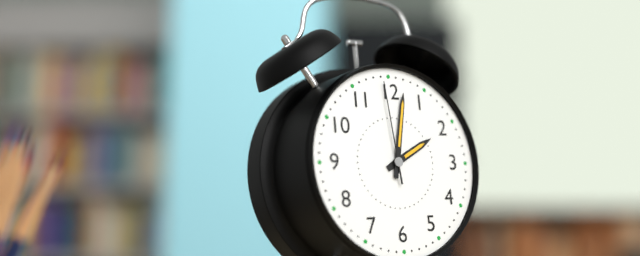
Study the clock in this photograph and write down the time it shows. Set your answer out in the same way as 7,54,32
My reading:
2,02,59
